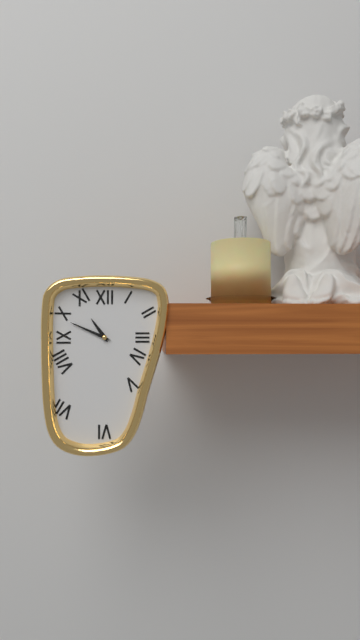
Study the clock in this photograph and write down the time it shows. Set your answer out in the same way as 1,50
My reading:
10,49
